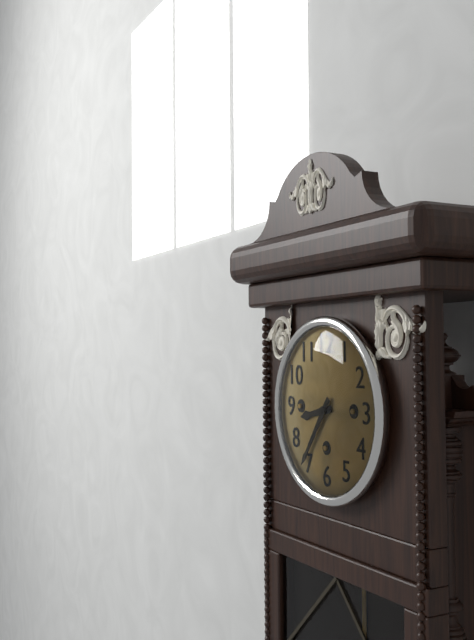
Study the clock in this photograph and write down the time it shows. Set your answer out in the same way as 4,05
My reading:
8,36
